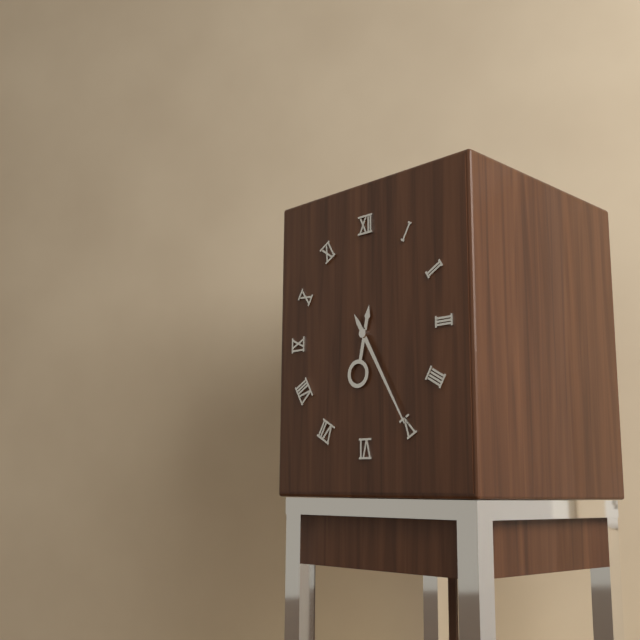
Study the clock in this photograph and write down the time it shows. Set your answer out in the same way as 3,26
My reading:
6,25
